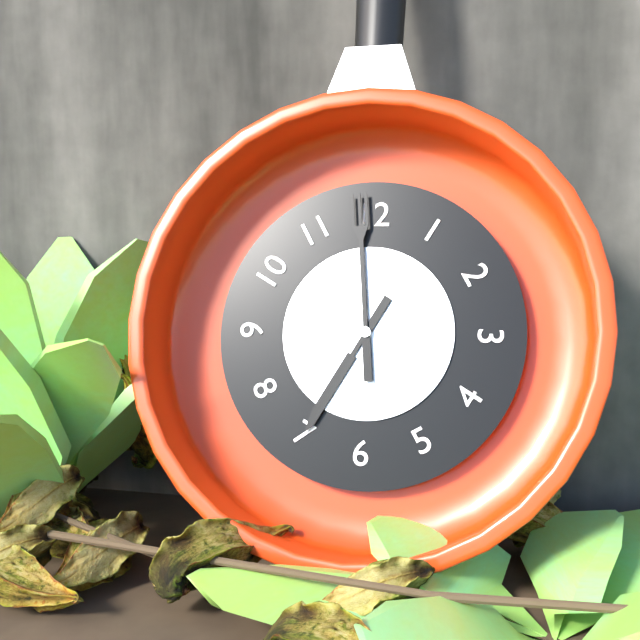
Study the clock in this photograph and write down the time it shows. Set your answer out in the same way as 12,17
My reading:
6,59
